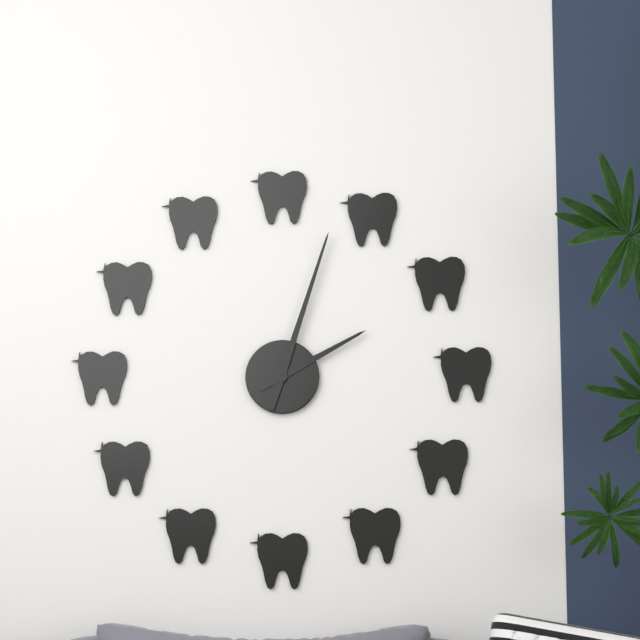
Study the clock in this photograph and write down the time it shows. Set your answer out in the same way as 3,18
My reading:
2,03
